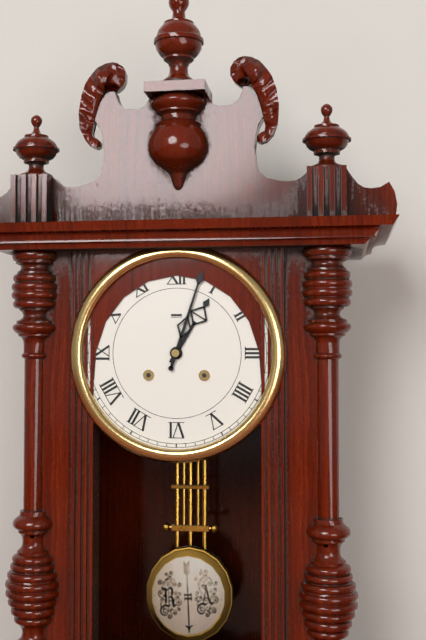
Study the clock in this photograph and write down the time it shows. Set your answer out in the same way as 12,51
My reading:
1,03
